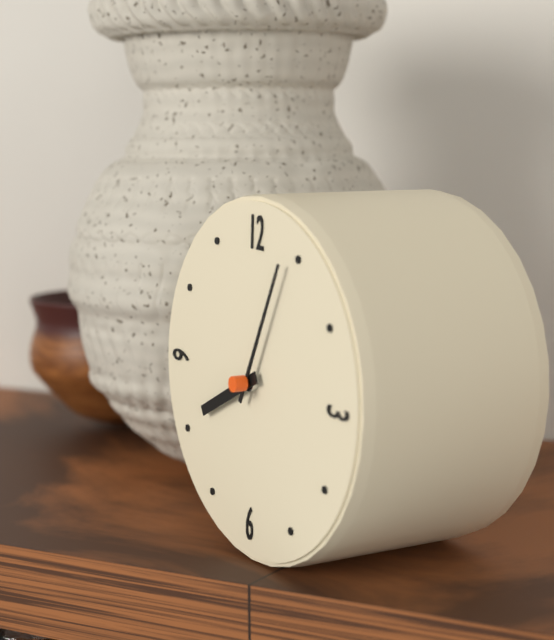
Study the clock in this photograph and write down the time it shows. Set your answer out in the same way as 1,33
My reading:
8,04
